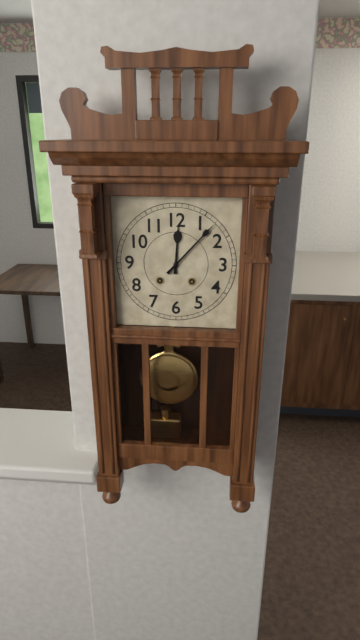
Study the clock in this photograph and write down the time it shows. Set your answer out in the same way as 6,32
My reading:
12,07
